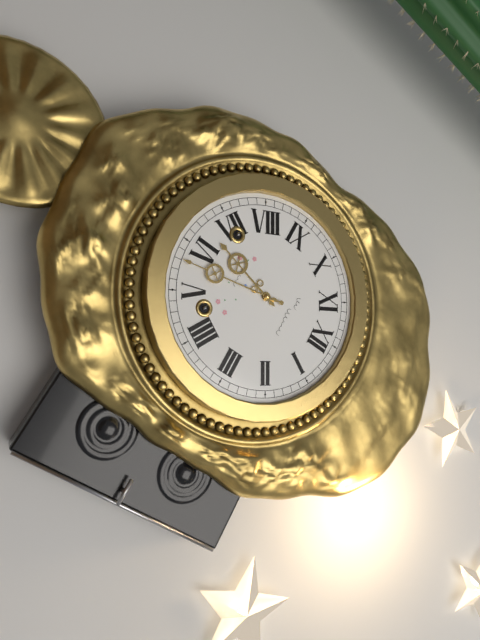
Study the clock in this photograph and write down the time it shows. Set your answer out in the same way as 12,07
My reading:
6,28
